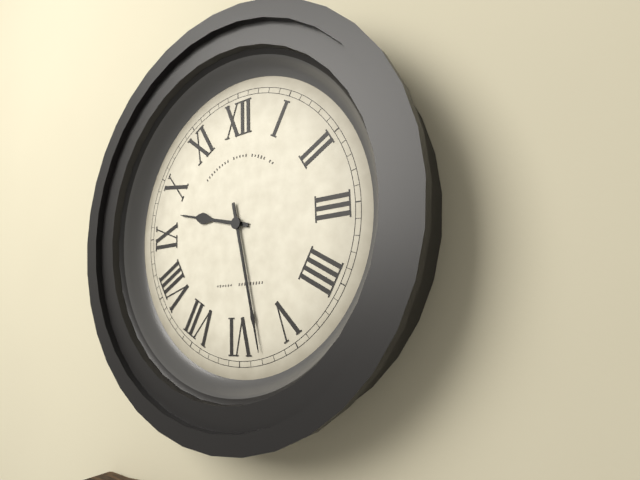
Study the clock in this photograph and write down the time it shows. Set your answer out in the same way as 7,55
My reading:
9,28
